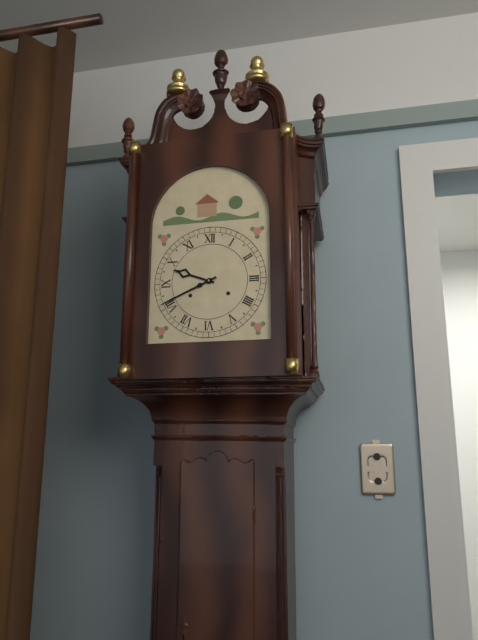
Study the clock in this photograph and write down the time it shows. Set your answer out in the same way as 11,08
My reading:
9,41
